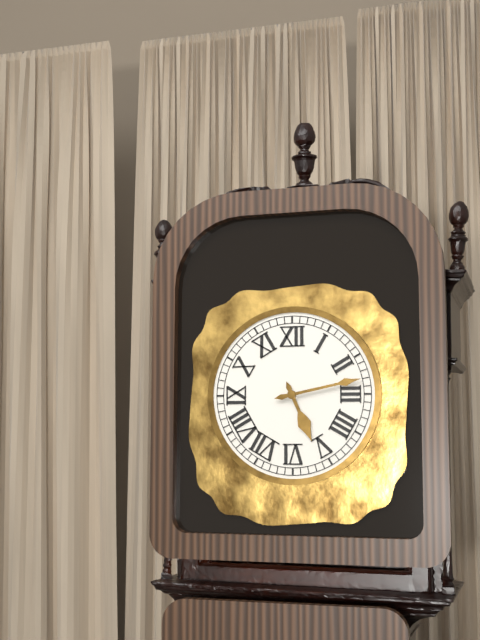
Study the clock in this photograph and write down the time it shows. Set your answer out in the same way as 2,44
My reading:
5,13
